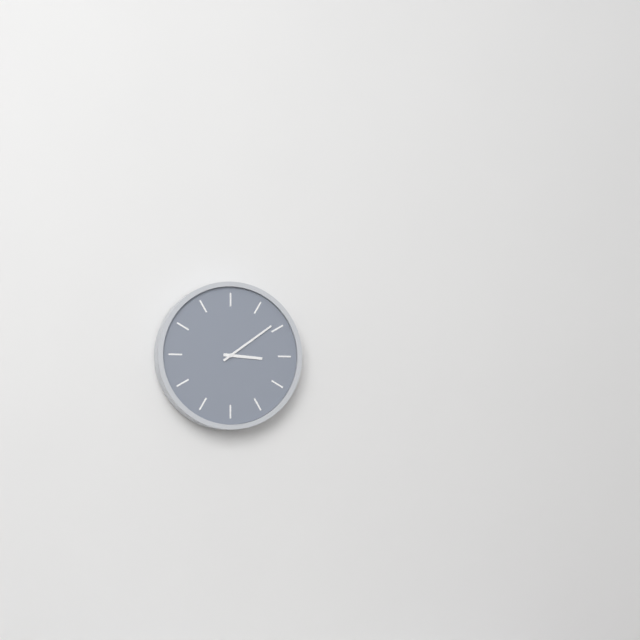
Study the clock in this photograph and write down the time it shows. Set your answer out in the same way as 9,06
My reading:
3,09
